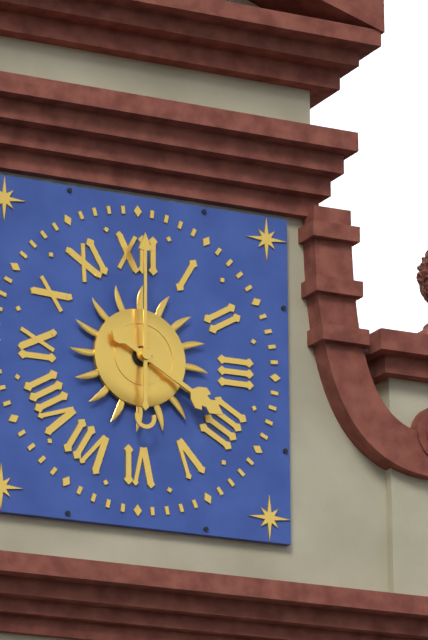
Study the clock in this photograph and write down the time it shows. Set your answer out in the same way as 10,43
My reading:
4,00
